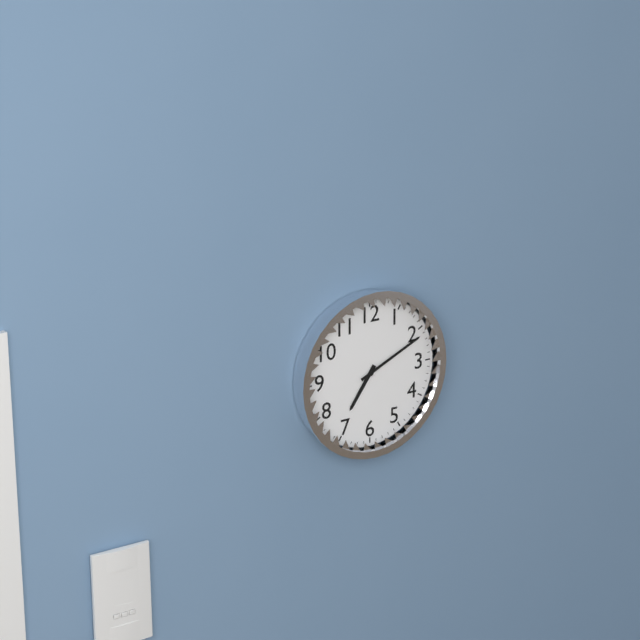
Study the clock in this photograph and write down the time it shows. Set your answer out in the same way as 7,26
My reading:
7,11
